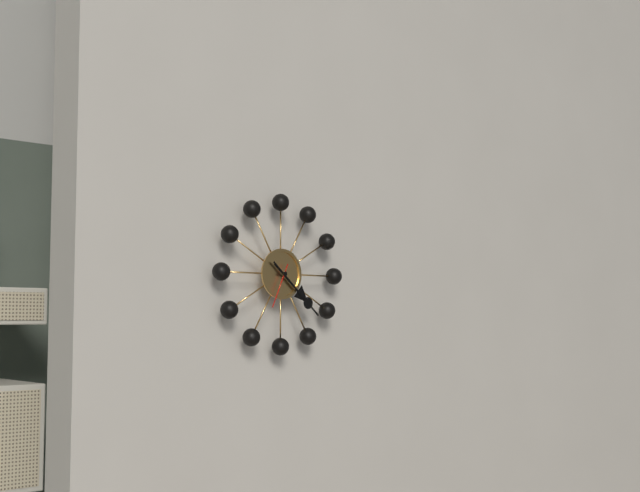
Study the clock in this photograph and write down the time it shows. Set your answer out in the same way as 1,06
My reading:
4,22
